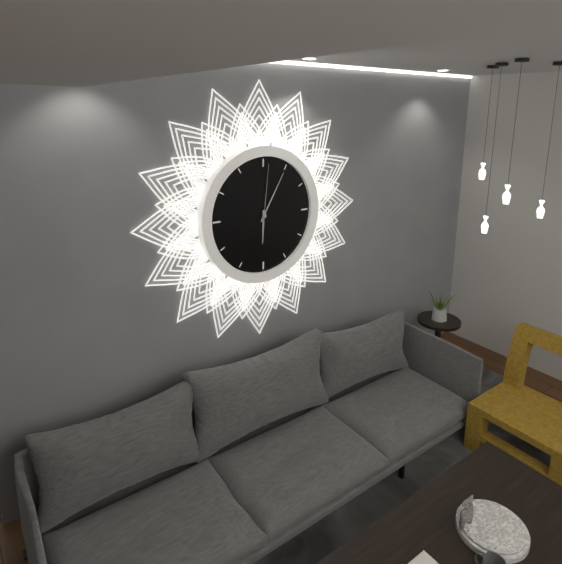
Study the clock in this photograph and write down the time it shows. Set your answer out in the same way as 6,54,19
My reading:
6,05,01
